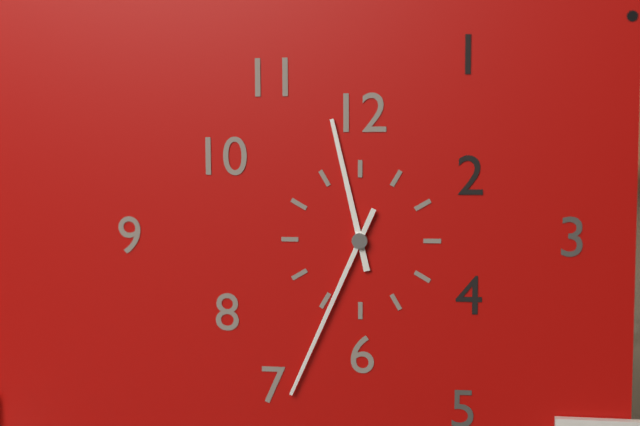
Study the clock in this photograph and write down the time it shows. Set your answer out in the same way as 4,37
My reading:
11,34
